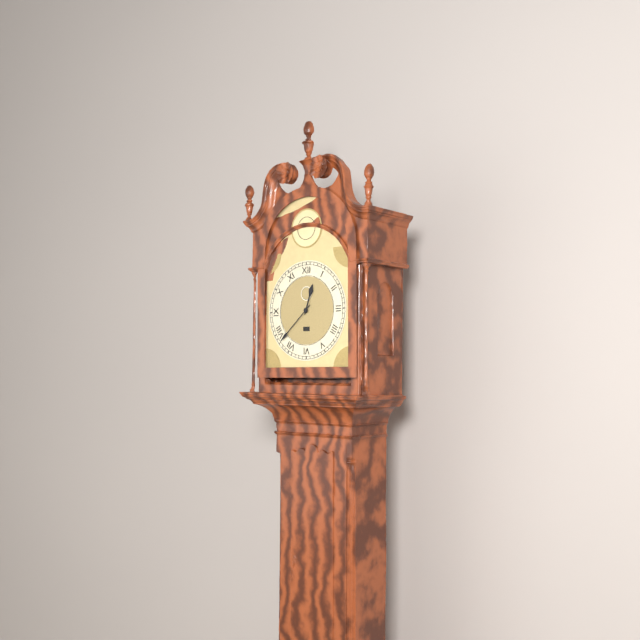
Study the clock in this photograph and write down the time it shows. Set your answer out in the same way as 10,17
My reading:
12,38
